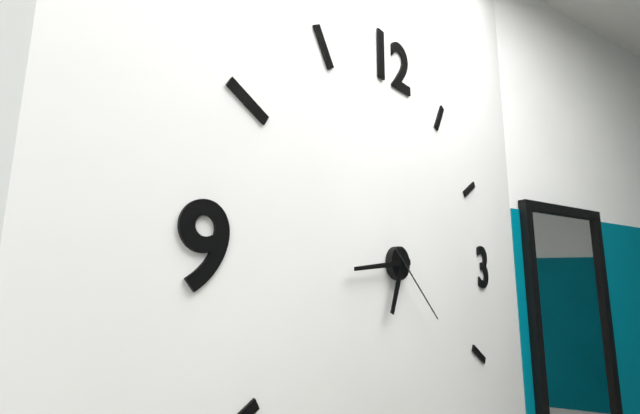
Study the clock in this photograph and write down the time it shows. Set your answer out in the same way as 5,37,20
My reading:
6,44,22
